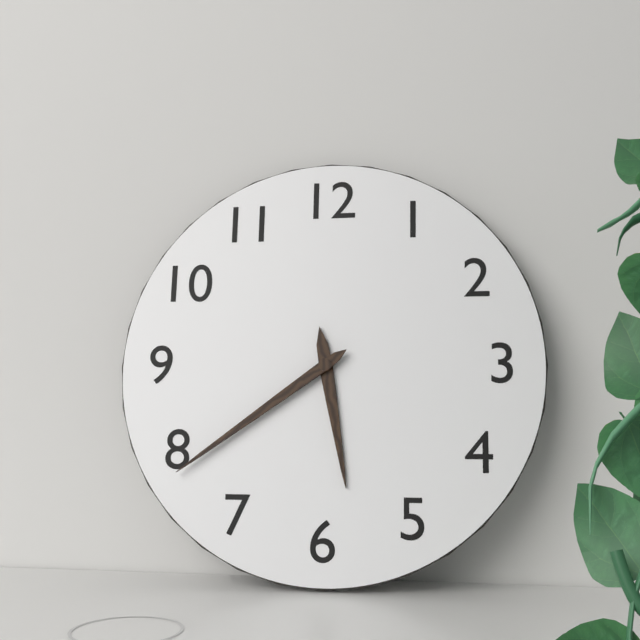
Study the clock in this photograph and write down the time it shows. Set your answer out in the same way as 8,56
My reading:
5,39
